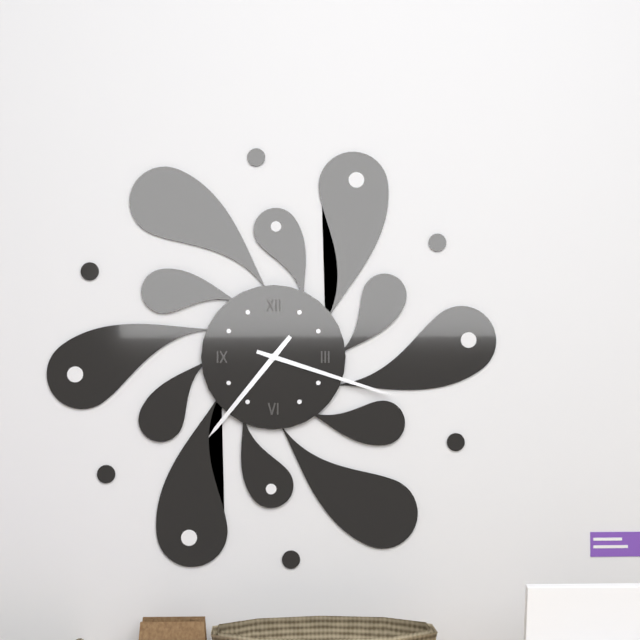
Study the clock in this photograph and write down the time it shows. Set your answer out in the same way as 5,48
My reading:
7,18
